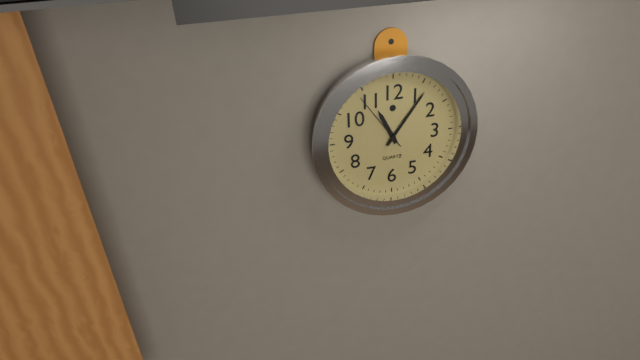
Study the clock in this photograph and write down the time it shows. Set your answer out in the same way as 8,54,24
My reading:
11,06,54
